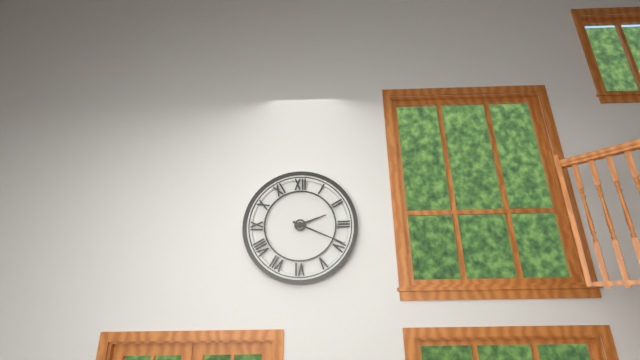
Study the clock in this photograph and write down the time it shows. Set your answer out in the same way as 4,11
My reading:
2,19
